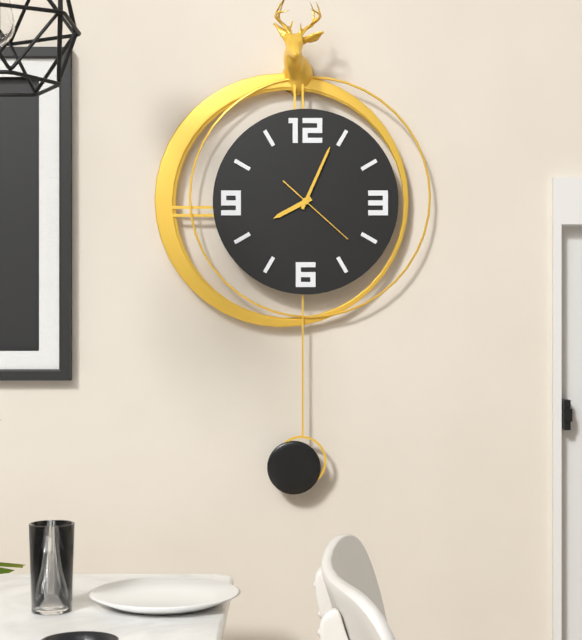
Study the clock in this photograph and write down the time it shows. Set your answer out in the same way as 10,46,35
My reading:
8,04,22
